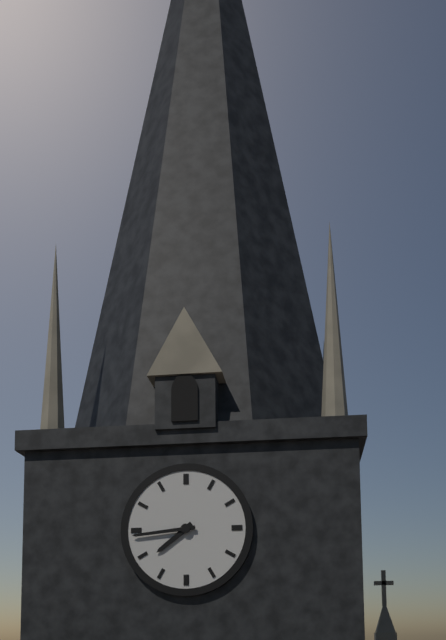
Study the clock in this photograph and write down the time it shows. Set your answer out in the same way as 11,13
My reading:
7,44
